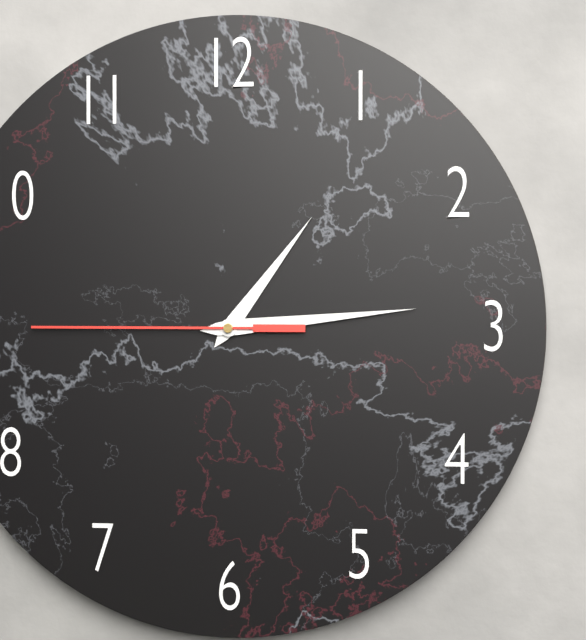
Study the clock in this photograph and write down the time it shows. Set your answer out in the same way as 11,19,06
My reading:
1,14,45
